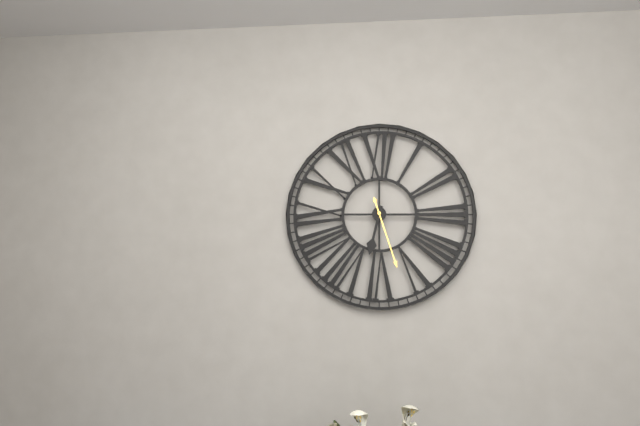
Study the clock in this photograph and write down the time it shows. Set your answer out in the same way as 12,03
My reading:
6,27
